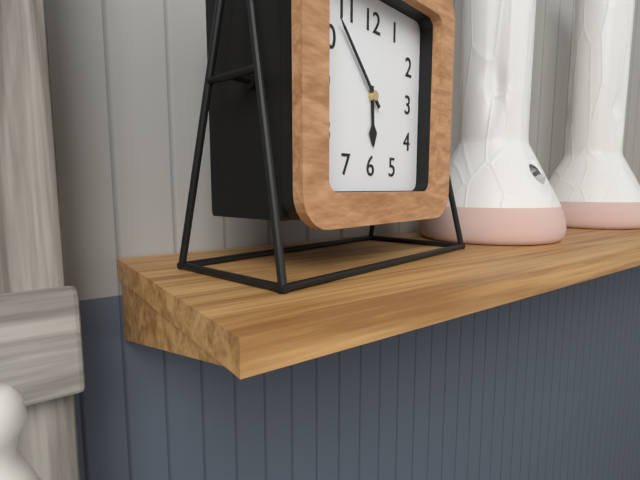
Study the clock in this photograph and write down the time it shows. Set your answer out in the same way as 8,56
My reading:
5,53
